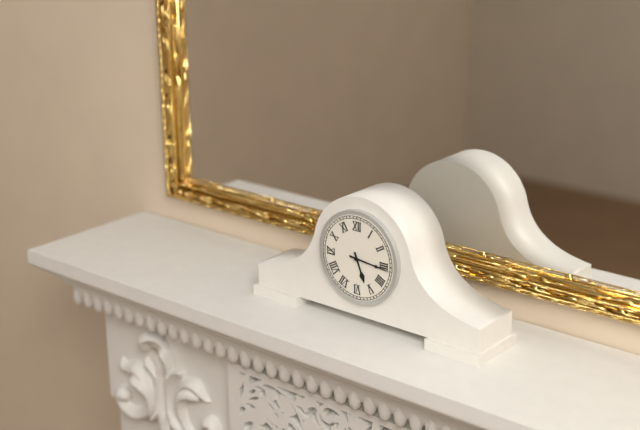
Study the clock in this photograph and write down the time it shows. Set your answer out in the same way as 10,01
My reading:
5,16
